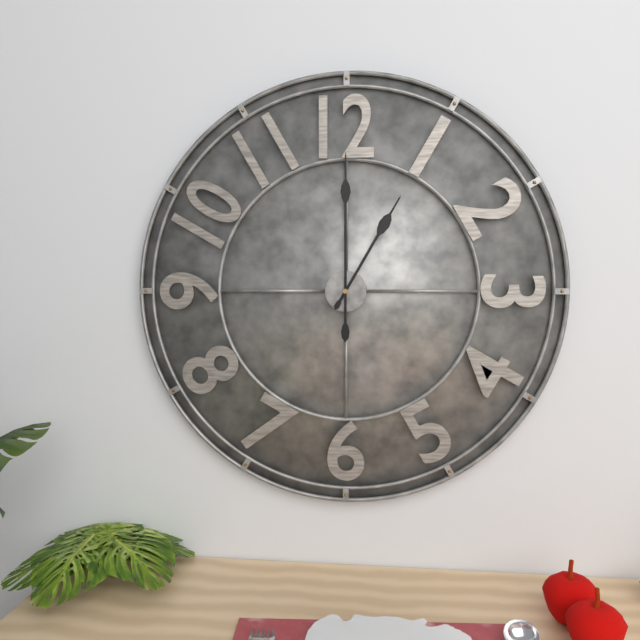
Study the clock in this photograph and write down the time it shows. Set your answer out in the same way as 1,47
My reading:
1,00
